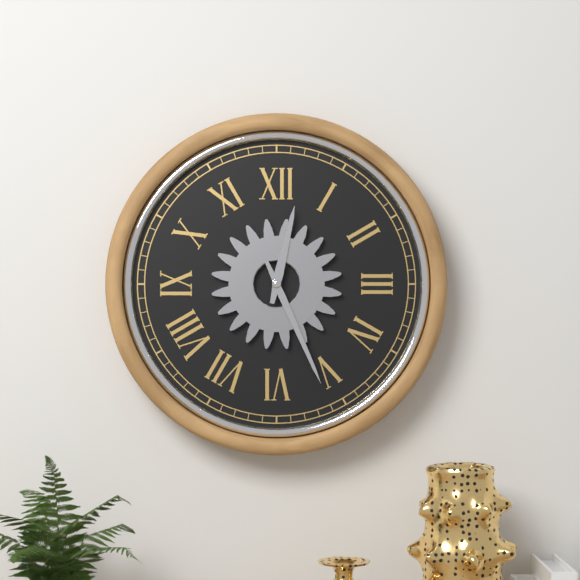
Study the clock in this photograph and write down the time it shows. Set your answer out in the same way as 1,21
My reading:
12,26
